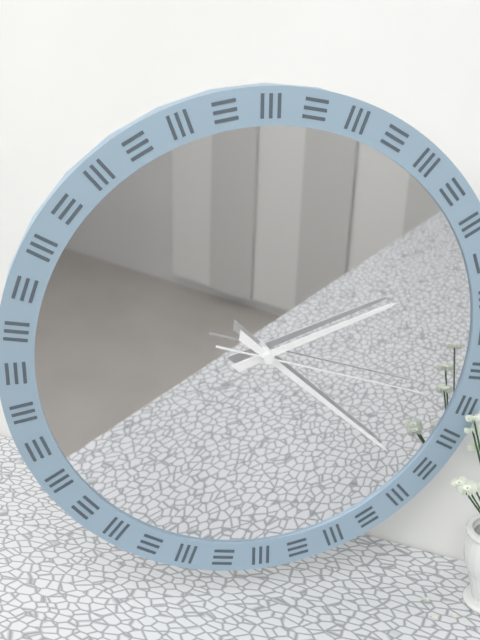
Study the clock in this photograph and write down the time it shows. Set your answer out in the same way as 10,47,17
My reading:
2,22,18
